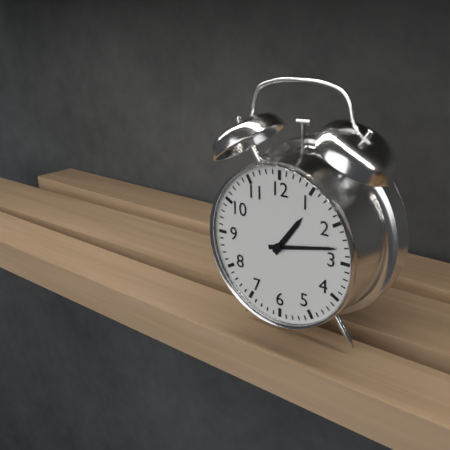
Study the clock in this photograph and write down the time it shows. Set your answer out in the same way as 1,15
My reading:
1,13
